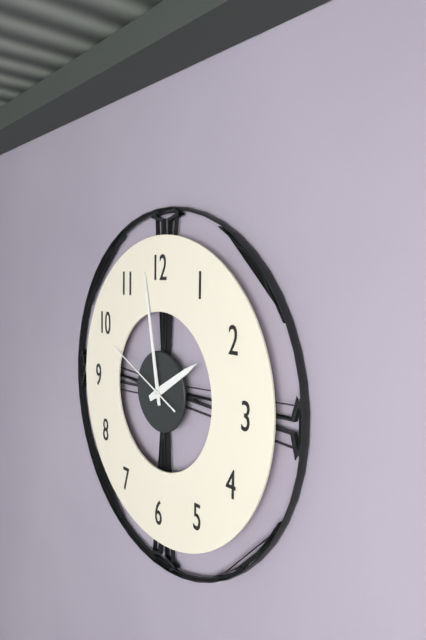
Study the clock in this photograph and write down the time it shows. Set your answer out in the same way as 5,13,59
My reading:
1,58,49
